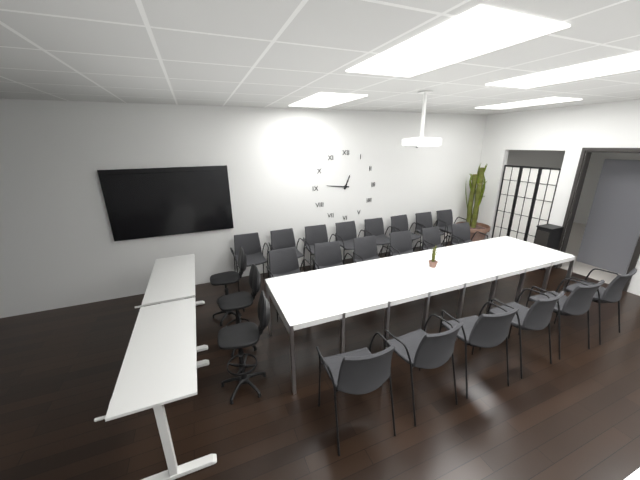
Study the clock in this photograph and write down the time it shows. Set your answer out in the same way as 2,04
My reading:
12,46
